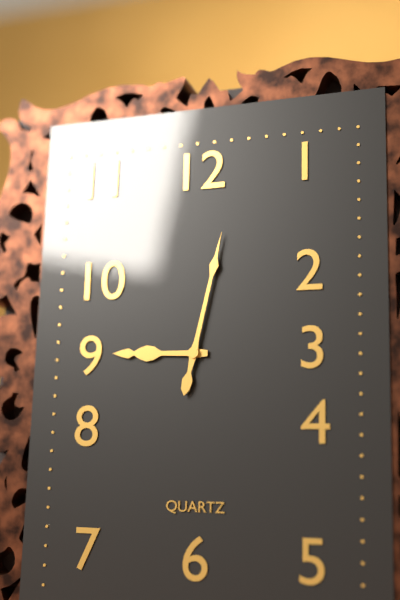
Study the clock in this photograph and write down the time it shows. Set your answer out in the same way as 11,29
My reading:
9,02
